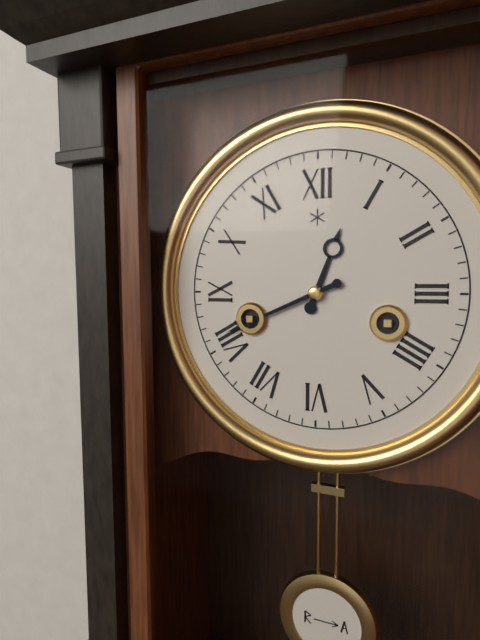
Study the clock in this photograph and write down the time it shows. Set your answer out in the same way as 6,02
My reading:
12,41
